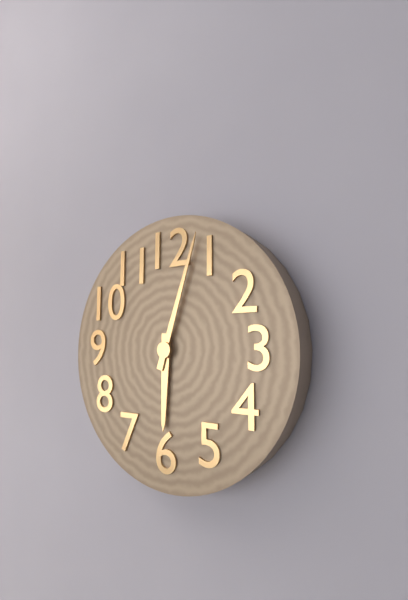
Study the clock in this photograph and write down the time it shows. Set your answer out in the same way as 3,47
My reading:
6,03
